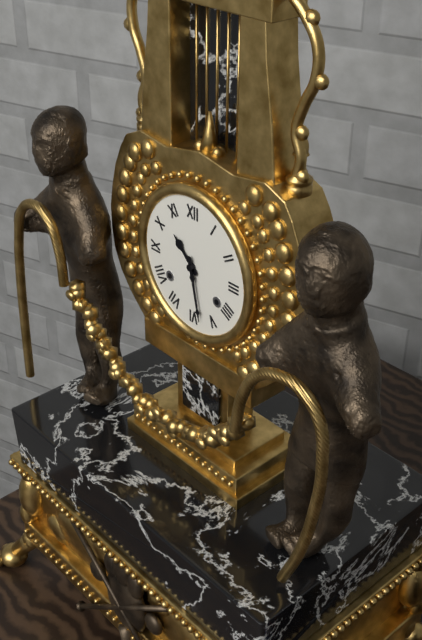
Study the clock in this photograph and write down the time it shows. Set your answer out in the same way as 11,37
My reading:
10,28
